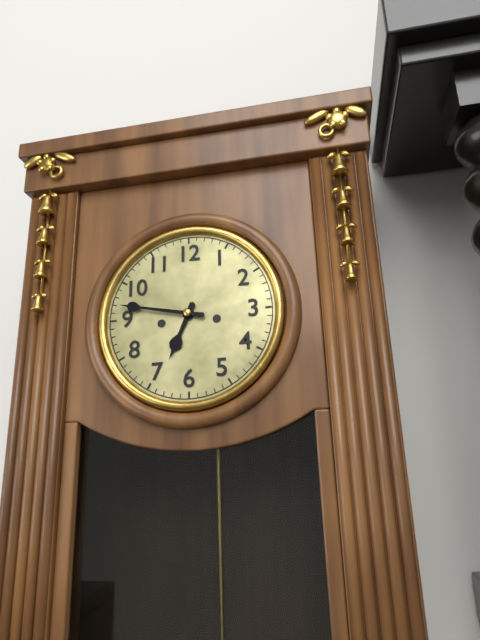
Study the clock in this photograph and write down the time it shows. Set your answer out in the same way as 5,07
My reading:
6,47
